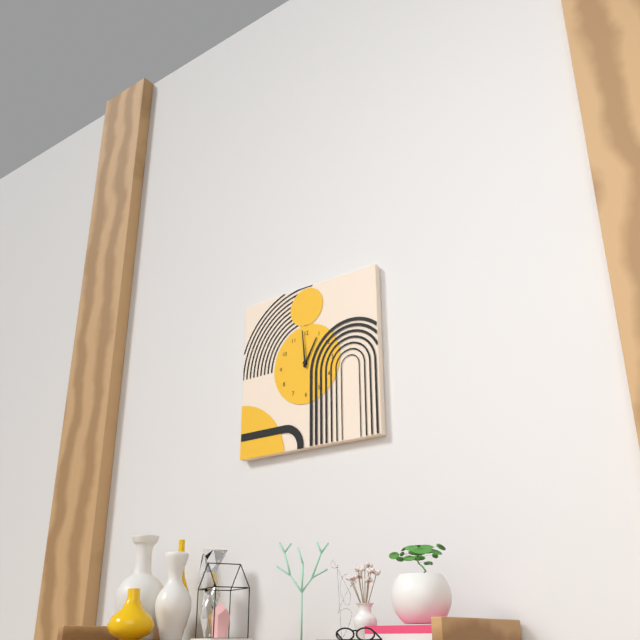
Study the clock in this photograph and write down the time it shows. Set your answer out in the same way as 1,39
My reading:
12,59
